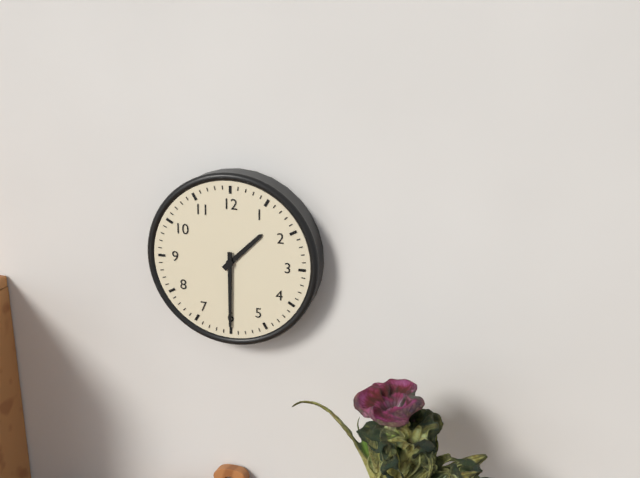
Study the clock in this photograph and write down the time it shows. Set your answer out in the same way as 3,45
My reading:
1,30
